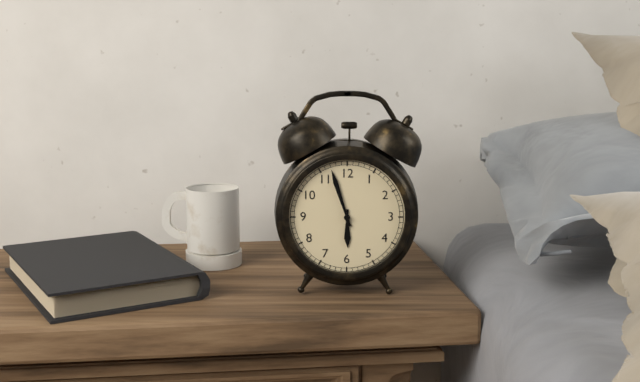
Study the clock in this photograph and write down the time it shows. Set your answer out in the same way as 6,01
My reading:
5,57
